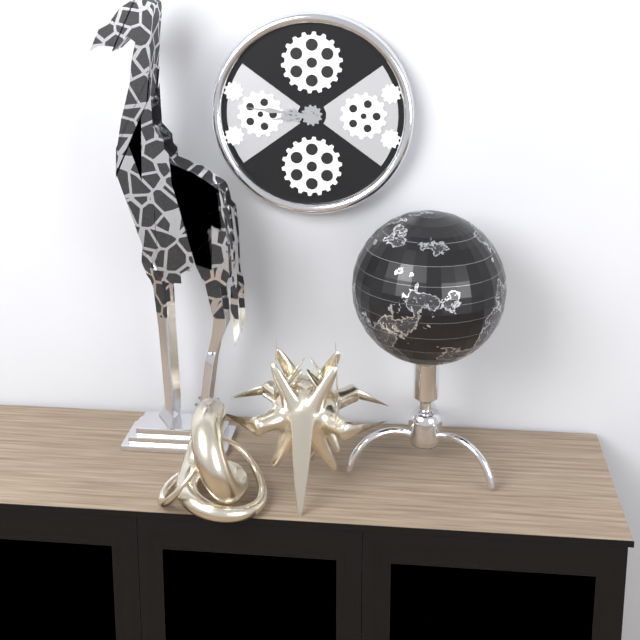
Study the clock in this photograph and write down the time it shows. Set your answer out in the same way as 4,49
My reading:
8,46
